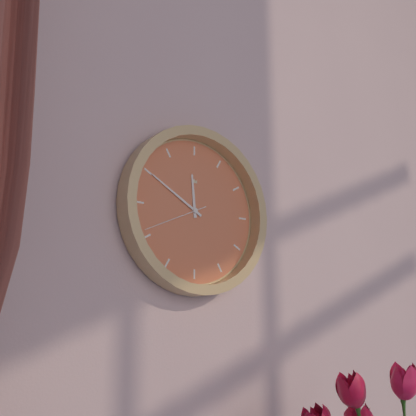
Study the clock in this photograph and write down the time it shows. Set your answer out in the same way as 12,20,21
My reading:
11,50,41
